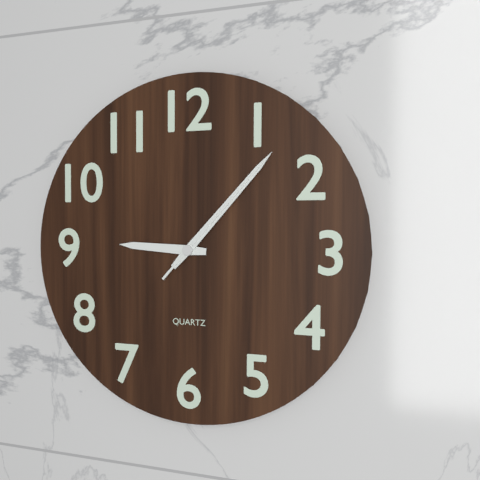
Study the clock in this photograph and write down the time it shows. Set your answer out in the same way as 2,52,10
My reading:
9,07,07
